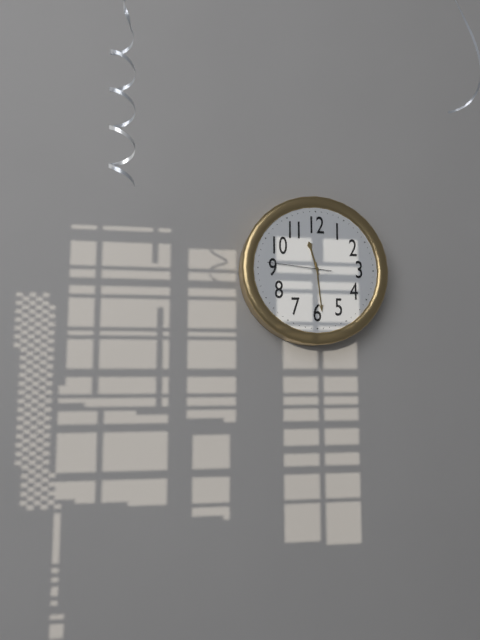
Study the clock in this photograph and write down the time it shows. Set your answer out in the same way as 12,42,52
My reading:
11,29,46
